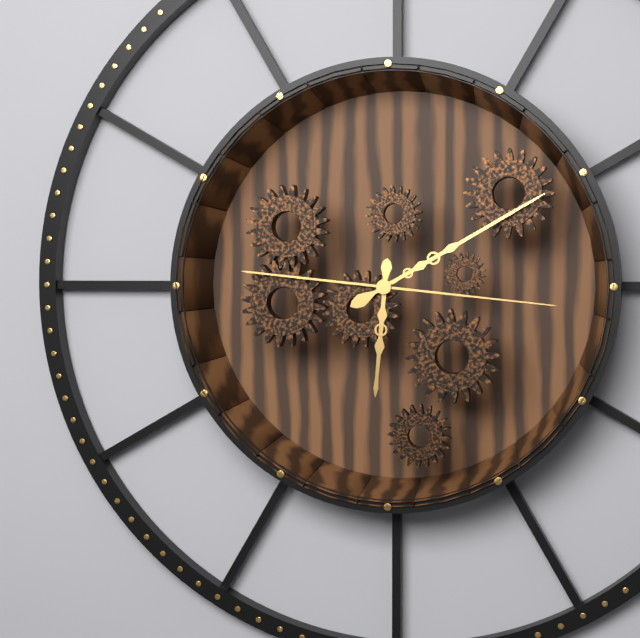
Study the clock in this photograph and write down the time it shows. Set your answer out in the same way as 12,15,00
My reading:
6,10,16
